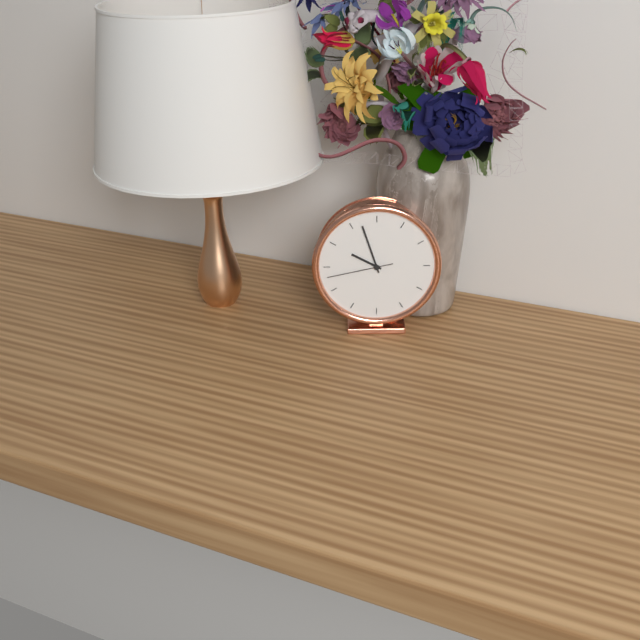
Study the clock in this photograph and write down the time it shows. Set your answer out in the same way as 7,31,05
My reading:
9,57,43
